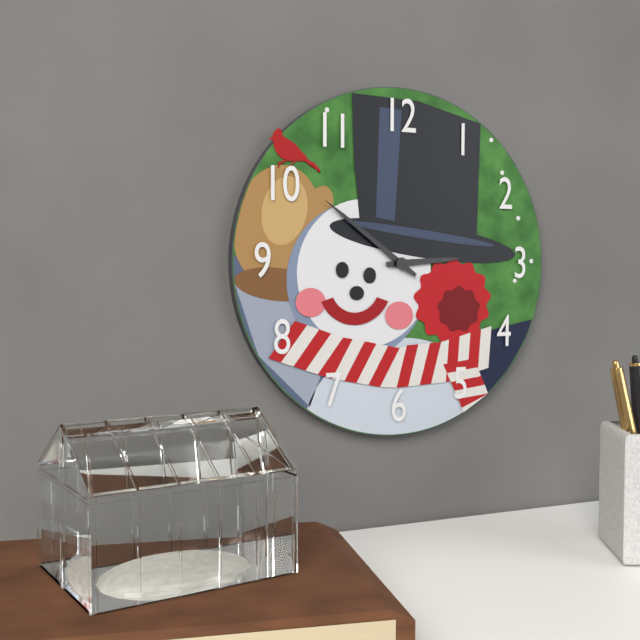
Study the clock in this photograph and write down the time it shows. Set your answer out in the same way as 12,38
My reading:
2,51
